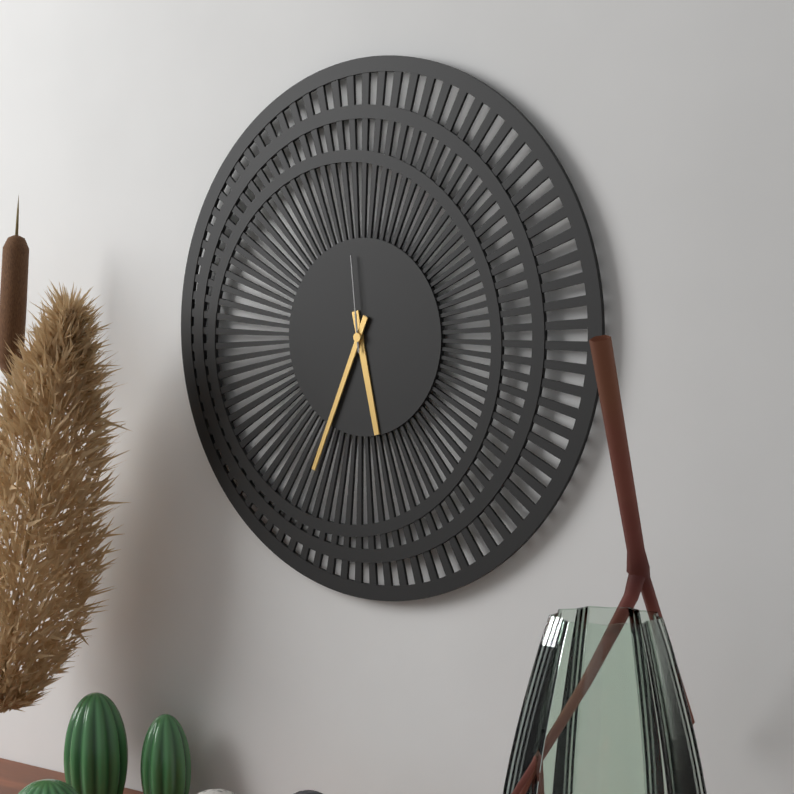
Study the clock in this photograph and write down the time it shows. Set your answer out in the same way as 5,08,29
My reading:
5,34,59
